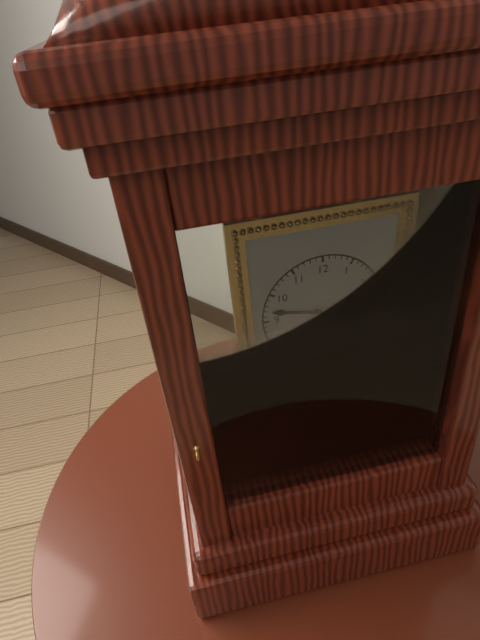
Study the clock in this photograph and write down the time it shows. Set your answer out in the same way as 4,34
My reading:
3,47
